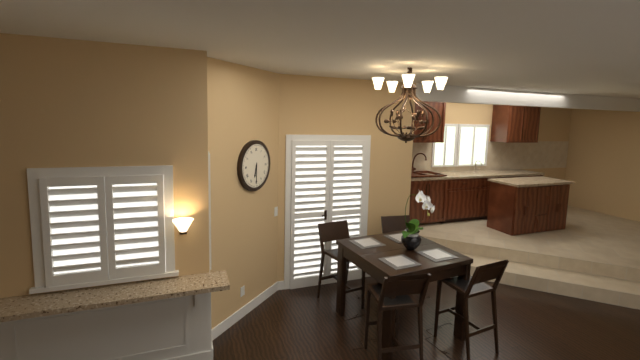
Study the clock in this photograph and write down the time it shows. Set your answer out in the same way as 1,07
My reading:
6,30
